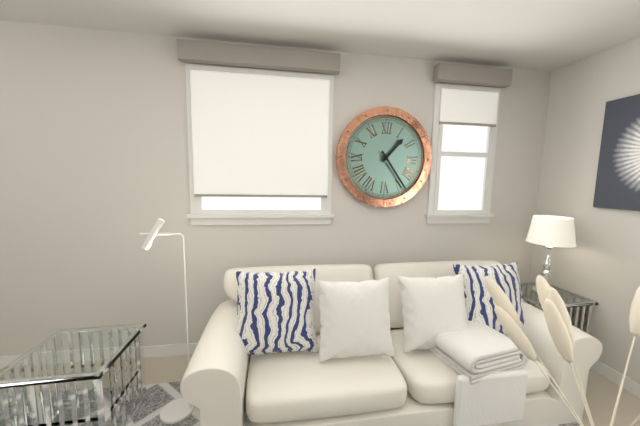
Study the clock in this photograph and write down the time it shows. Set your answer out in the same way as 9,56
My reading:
1,24
